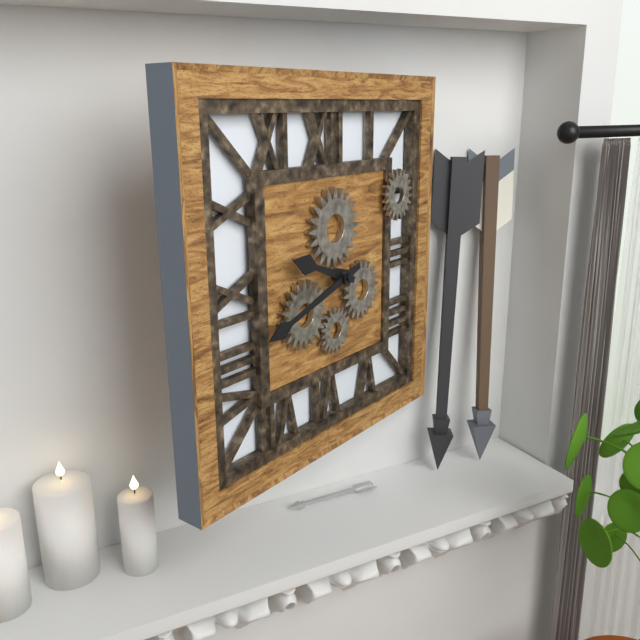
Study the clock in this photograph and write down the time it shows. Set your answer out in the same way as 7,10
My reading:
9,42
